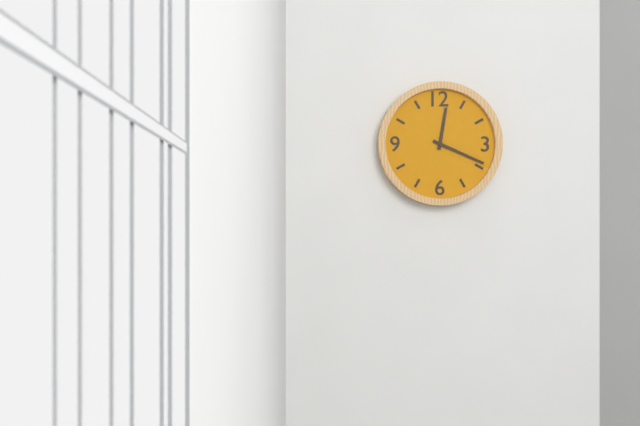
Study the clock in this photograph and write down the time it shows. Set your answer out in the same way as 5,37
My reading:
12,19
